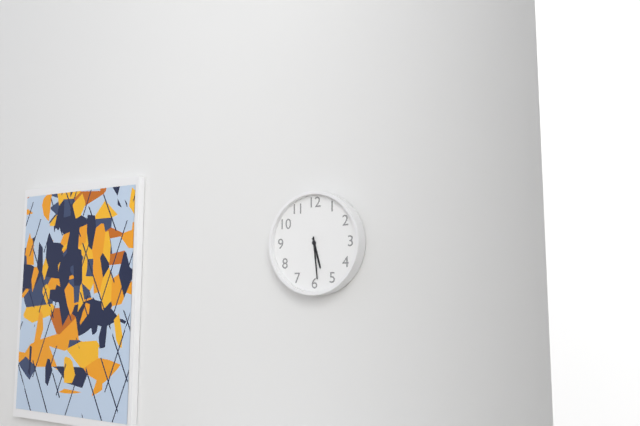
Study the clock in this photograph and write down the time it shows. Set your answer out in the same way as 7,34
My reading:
5,29
